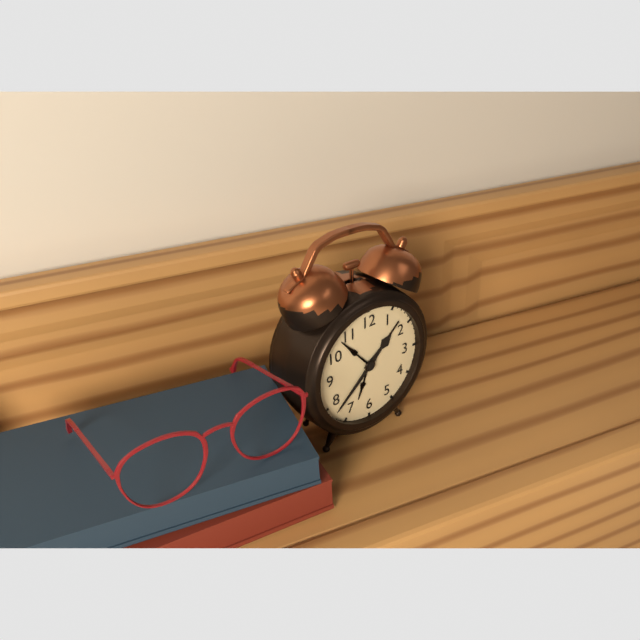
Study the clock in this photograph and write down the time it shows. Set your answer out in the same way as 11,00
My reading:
1,38
